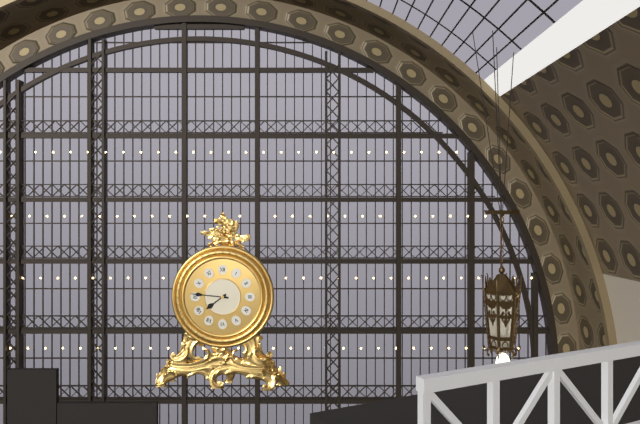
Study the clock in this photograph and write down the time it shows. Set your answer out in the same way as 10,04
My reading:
7,46
